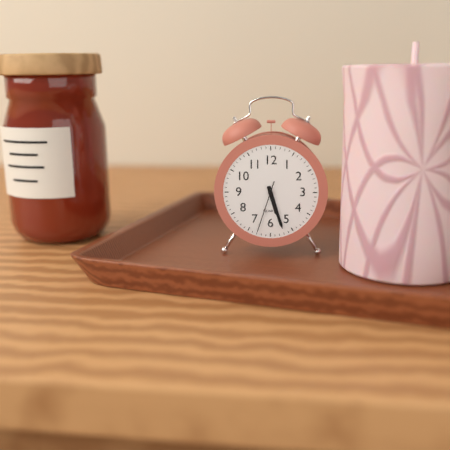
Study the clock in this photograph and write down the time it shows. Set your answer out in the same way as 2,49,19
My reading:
5,27,33
